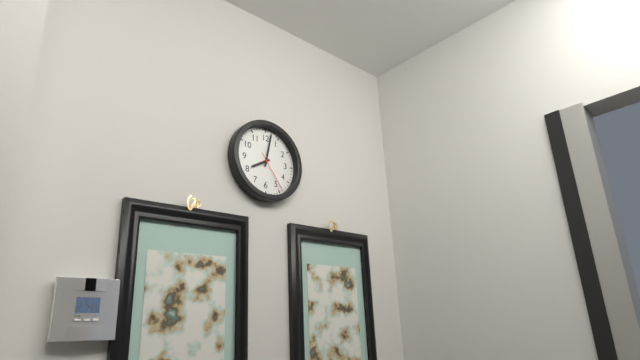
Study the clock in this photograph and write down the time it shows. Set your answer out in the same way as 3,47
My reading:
8,02
